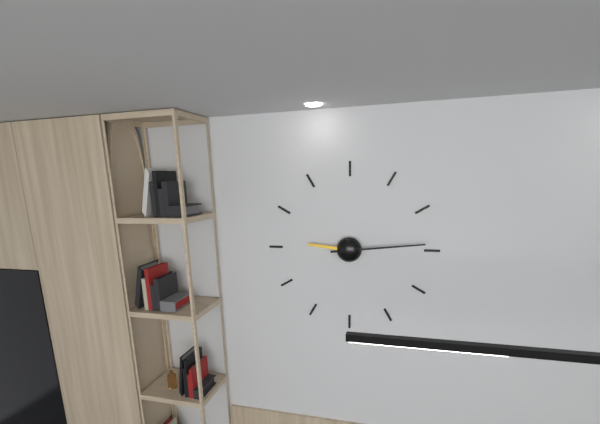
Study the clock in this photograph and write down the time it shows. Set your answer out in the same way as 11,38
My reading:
9,14
